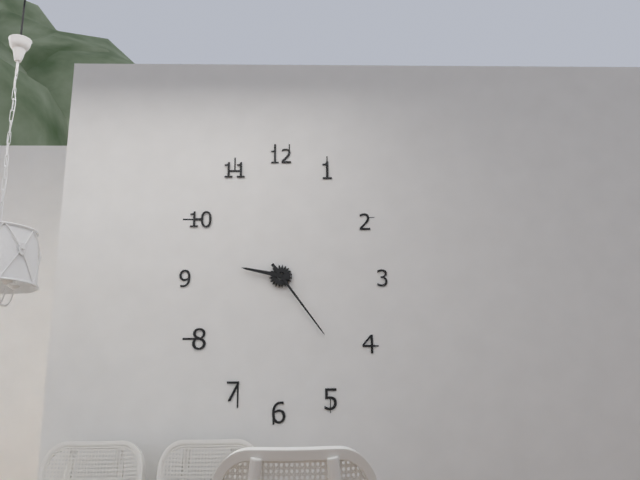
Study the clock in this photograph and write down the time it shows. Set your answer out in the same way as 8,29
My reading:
9,24
